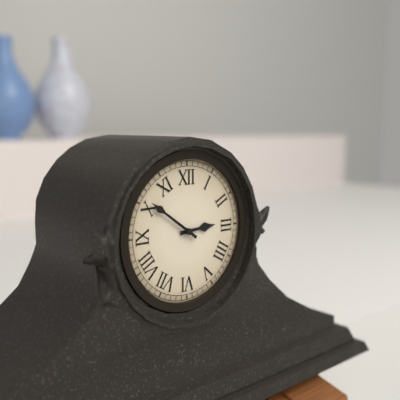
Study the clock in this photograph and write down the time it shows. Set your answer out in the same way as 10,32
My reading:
2,51
